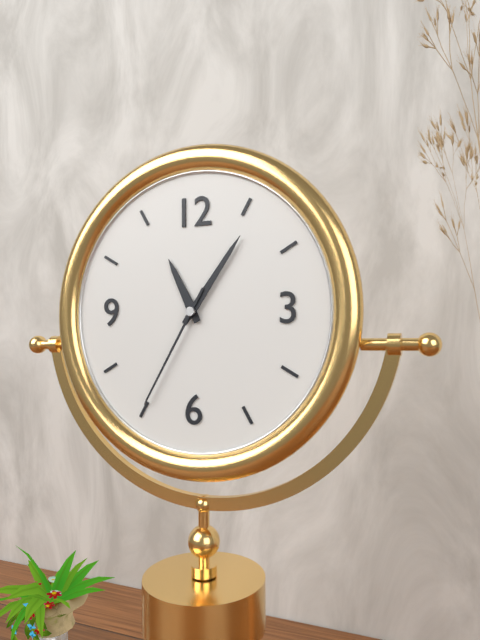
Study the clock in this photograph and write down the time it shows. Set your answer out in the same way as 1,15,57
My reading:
11,06,35
